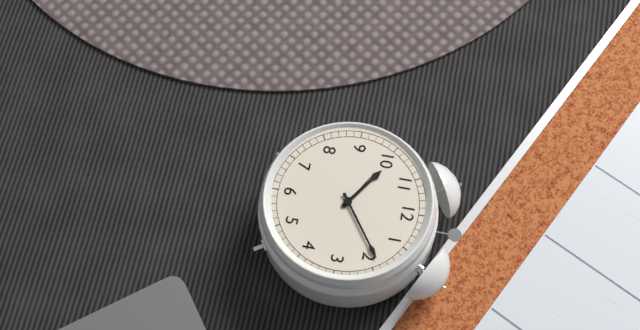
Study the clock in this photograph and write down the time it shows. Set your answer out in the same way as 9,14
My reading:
10,09
